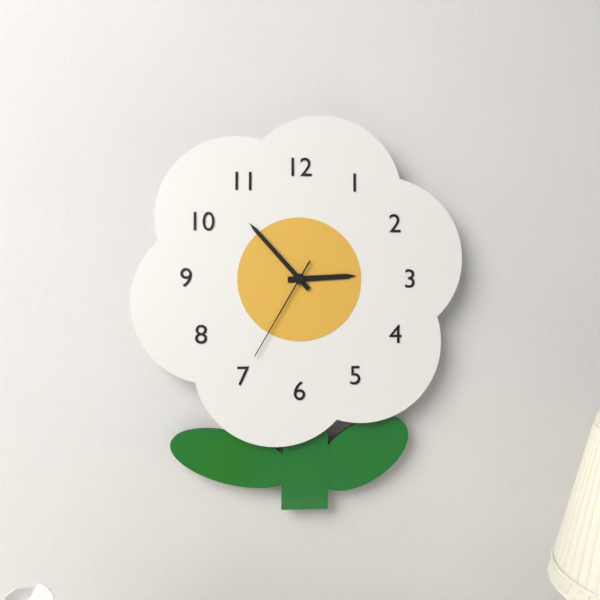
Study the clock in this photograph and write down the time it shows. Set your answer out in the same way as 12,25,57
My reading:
2,53,35
